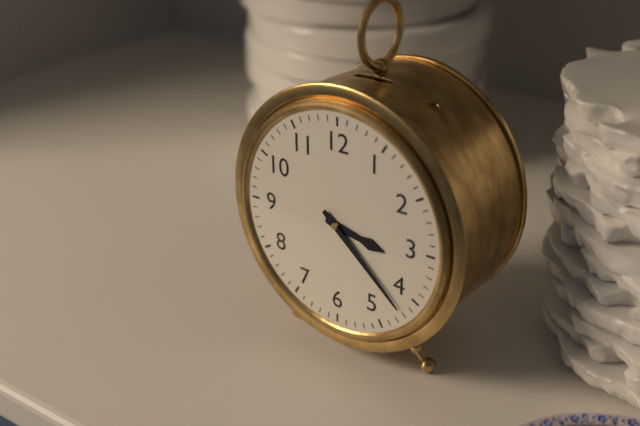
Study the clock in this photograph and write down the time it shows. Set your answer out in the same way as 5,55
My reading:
3,22
